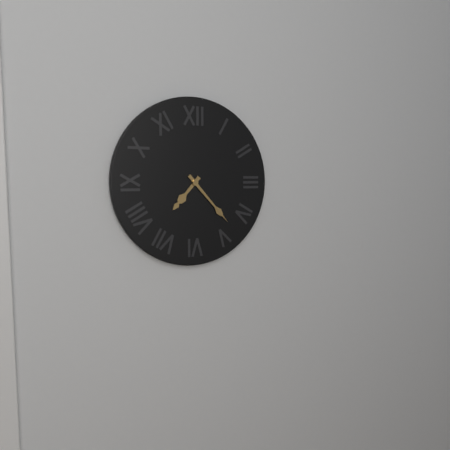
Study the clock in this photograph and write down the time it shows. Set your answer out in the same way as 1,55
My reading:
7,23
